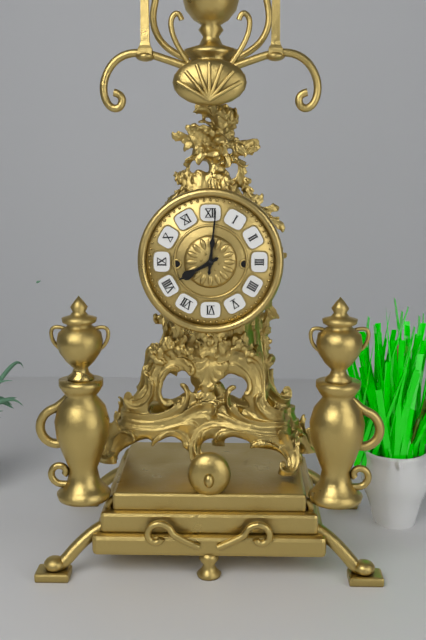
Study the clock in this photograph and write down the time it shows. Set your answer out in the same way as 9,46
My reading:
8,01
